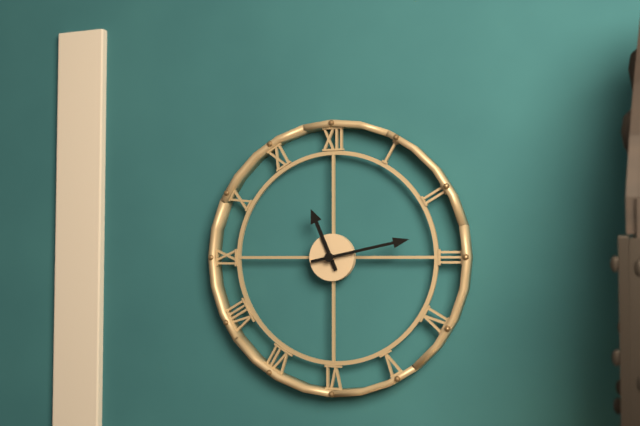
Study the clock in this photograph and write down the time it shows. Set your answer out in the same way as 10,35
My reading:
11,13
